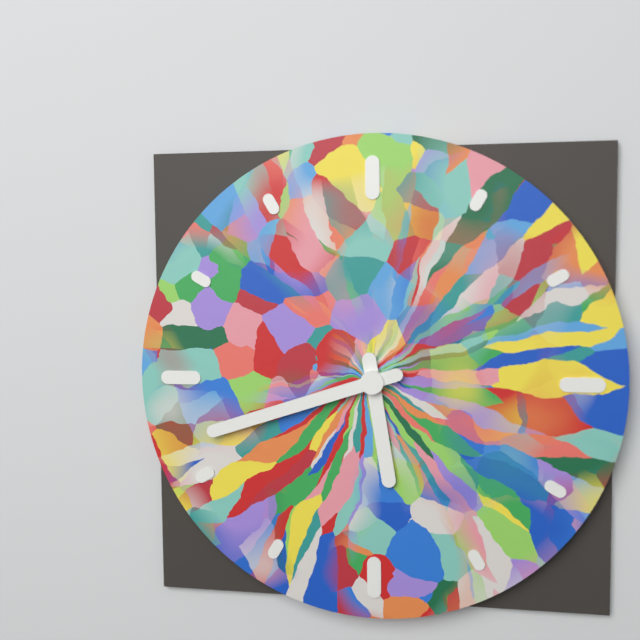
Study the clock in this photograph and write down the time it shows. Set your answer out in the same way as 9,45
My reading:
5,42
